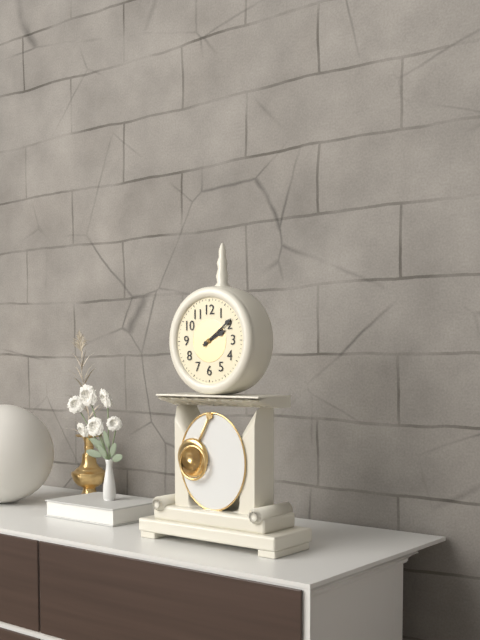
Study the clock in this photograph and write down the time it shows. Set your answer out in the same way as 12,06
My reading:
2,09
